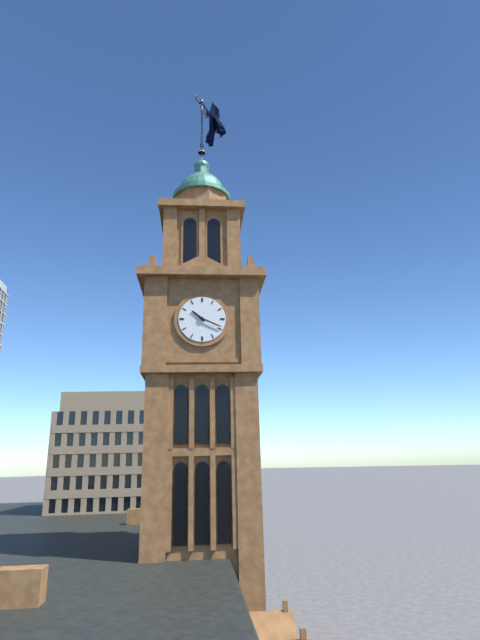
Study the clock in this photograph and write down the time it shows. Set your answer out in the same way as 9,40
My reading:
10,19
